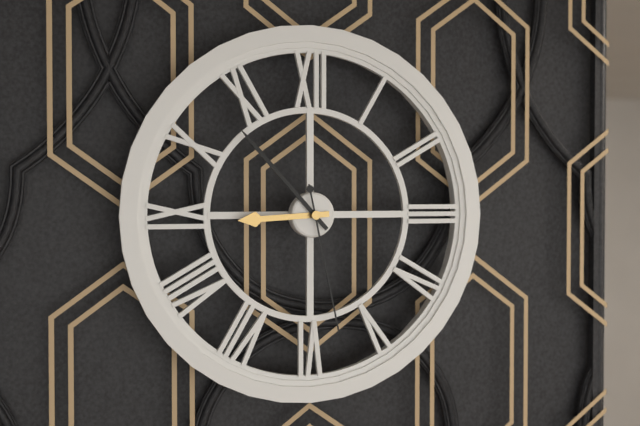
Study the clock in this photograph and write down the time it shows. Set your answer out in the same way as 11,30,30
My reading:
8,53,28
